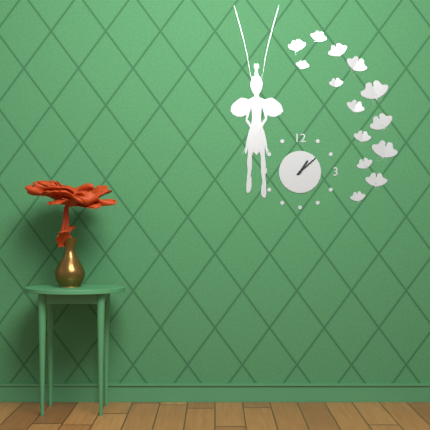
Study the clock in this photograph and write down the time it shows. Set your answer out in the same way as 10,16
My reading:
1,08
